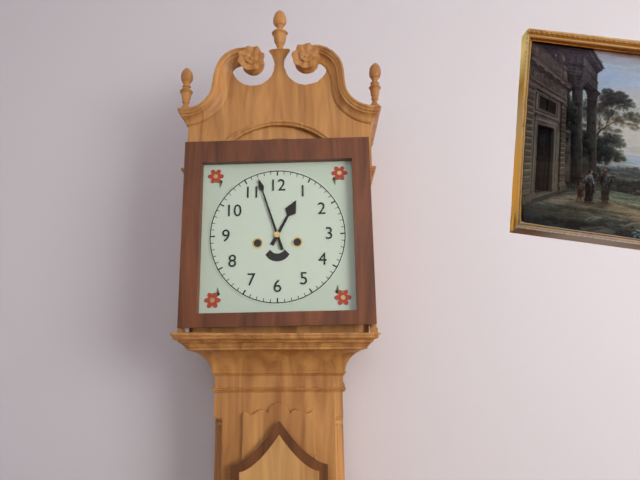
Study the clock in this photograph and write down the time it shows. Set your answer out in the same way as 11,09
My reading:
12,57
